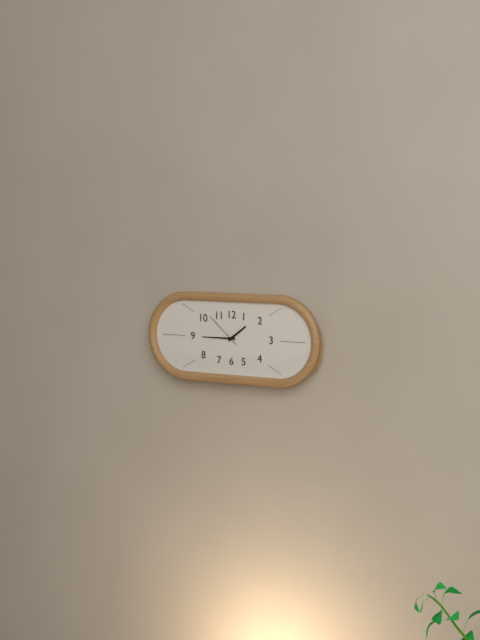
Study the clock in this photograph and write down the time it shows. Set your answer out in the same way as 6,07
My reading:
1,45
